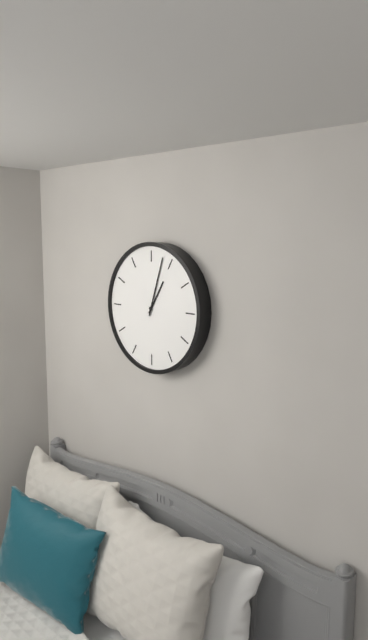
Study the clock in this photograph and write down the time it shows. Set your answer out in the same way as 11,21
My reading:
1,03
